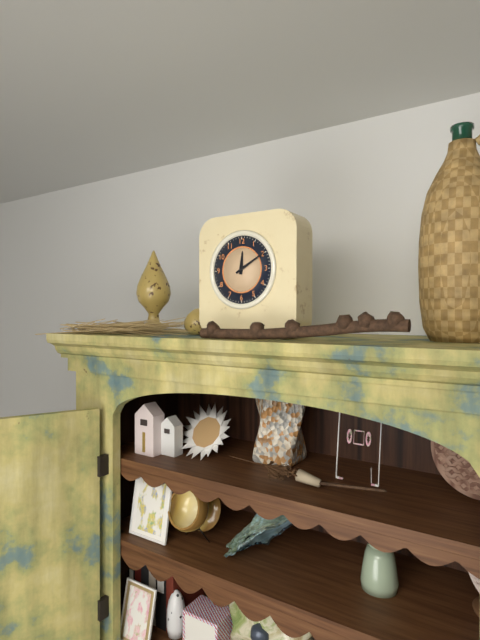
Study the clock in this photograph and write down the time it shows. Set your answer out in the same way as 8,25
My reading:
12,10
